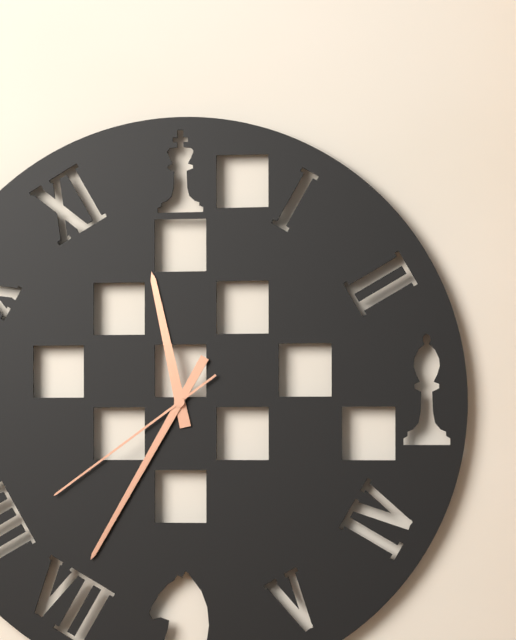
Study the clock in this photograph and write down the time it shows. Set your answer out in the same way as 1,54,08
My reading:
11,35,39
